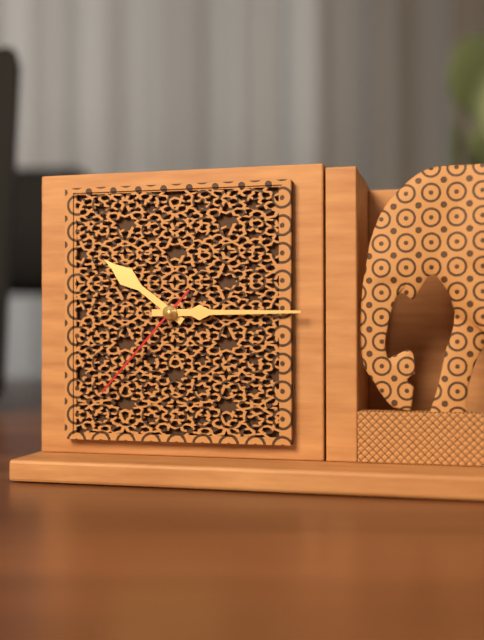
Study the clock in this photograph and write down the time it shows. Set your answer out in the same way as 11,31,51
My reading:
10,15,37
